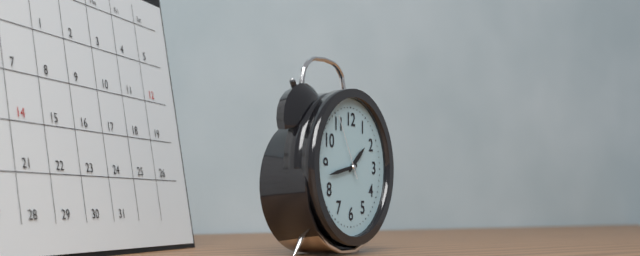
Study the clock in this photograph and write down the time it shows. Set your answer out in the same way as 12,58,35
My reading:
1,43,55
